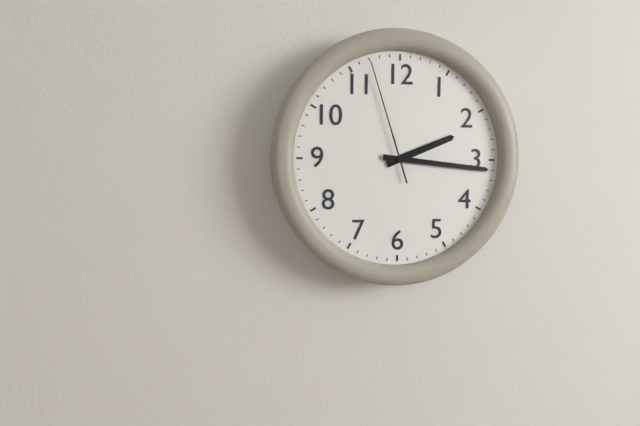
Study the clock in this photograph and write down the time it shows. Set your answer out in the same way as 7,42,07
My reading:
2,16,57
